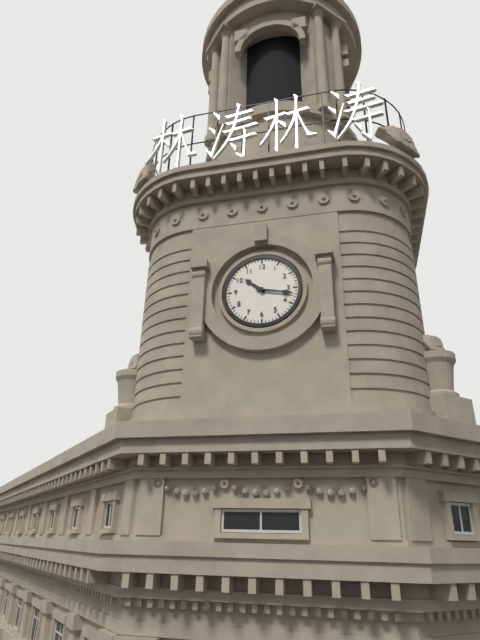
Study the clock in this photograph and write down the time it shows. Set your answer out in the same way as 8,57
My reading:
10,17
